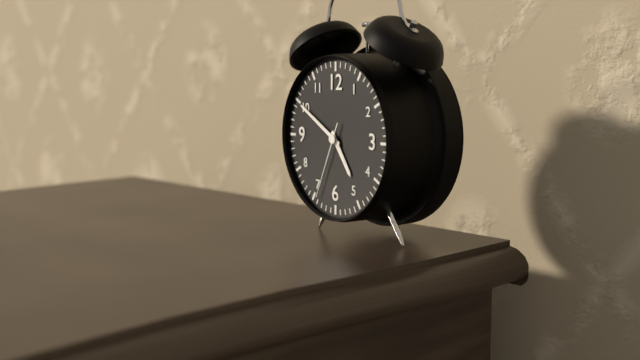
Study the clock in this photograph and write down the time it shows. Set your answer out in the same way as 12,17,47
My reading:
4,50,34
